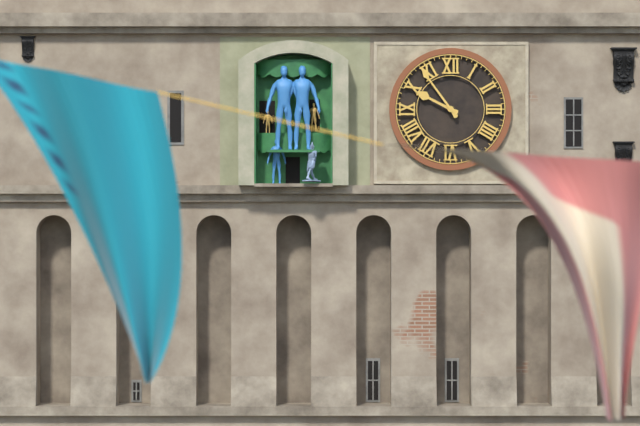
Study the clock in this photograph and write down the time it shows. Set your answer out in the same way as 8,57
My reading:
9,54
